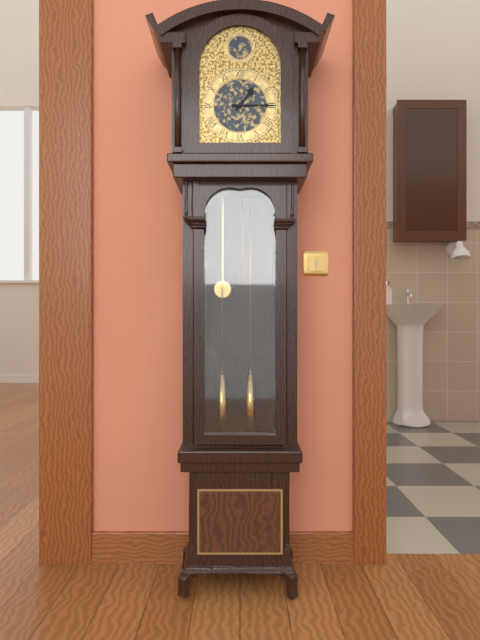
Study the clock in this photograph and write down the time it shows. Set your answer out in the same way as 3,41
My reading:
1,15
